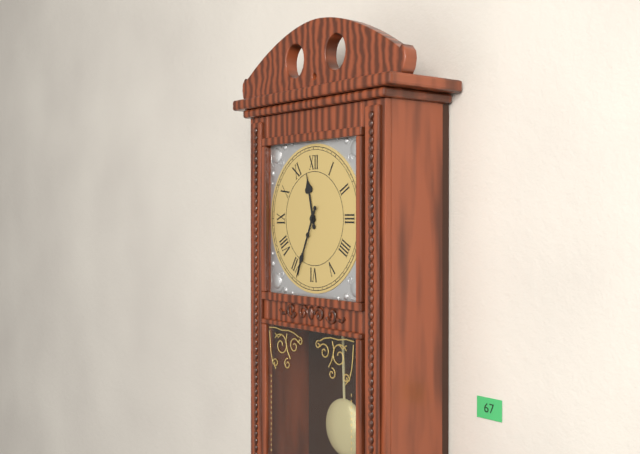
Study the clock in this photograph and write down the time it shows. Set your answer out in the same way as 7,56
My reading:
11,34
